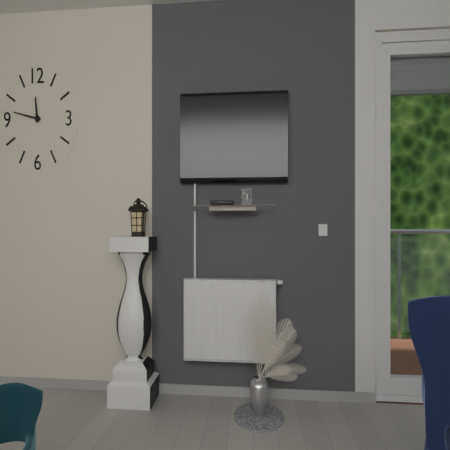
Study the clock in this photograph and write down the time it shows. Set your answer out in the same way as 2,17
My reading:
11,47
